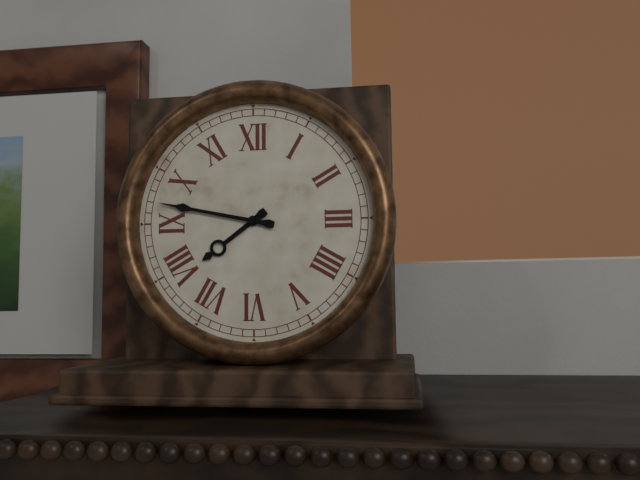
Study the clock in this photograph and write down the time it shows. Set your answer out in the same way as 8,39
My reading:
7,47
